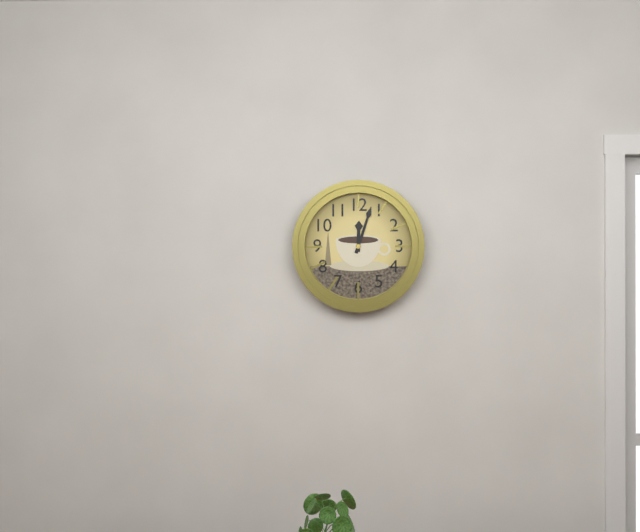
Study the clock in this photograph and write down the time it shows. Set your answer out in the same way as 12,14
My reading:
12,03
